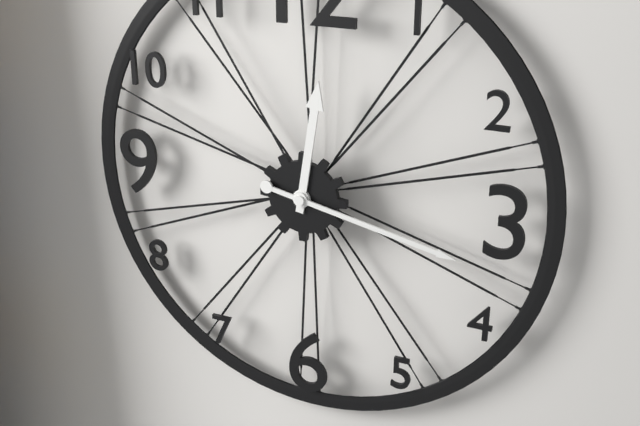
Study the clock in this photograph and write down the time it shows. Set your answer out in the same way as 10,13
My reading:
12,17
